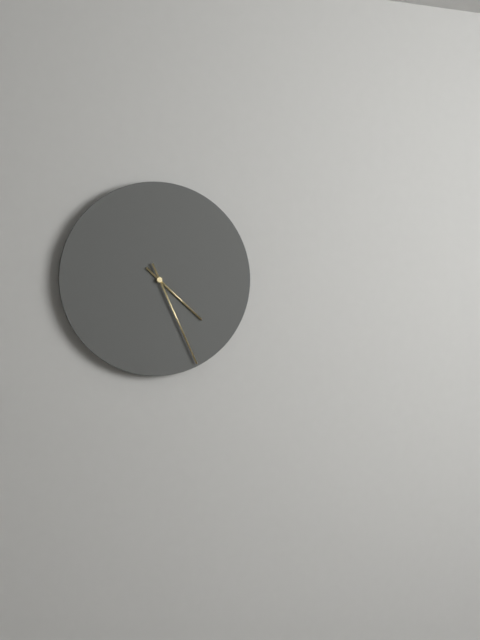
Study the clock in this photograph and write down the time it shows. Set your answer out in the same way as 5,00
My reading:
4,26
